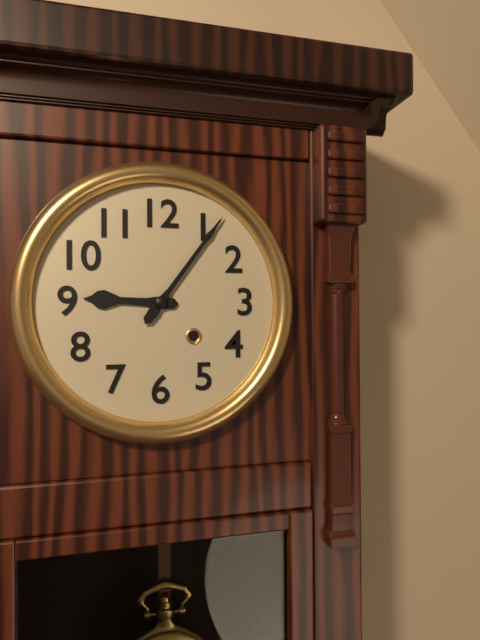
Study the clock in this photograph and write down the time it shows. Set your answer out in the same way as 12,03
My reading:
9,06
